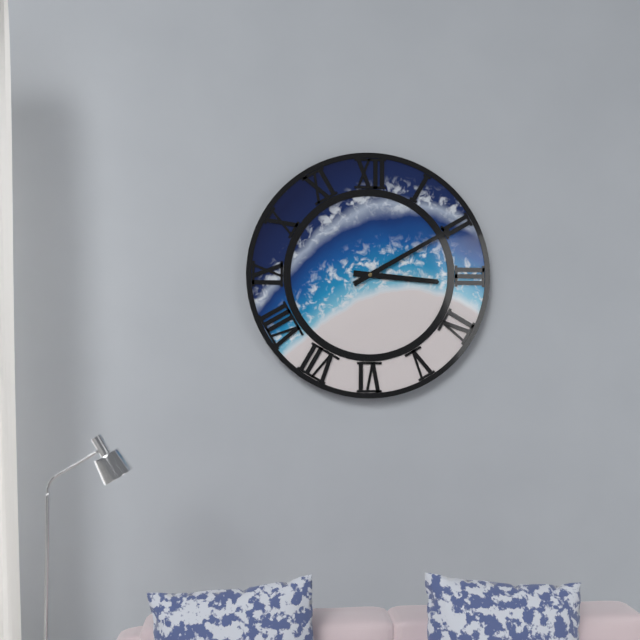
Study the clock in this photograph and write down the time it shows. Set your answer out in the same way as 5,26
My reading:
3,10
